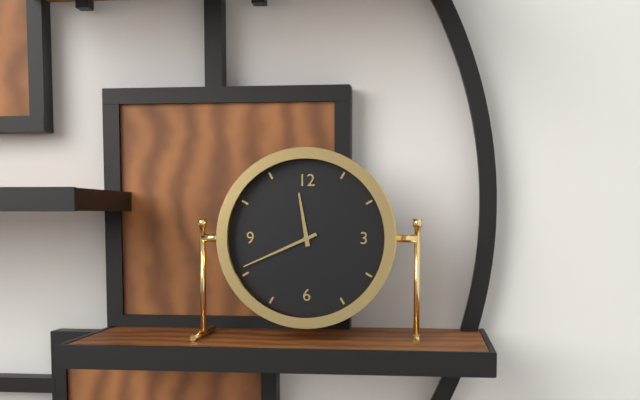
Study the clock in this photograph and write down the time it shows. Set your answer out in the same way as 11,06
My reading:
11,41
